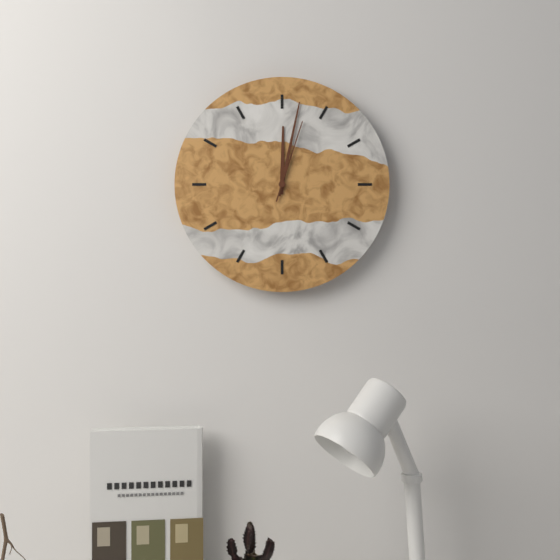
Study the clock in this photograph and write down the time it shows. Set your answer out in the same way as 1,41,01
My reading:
12,02,03
